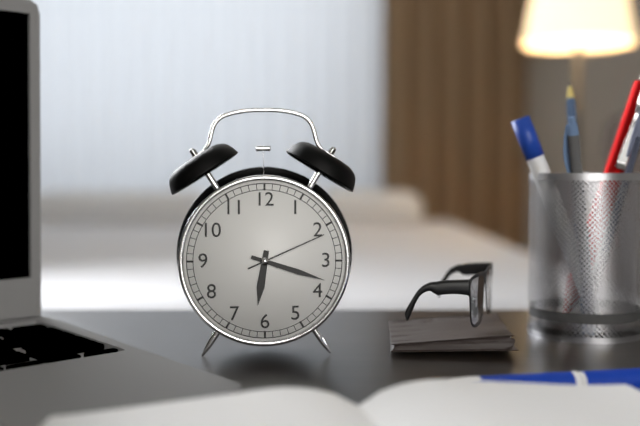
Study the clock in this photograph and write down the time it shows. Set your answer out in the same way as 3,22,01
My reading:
6,18,11
